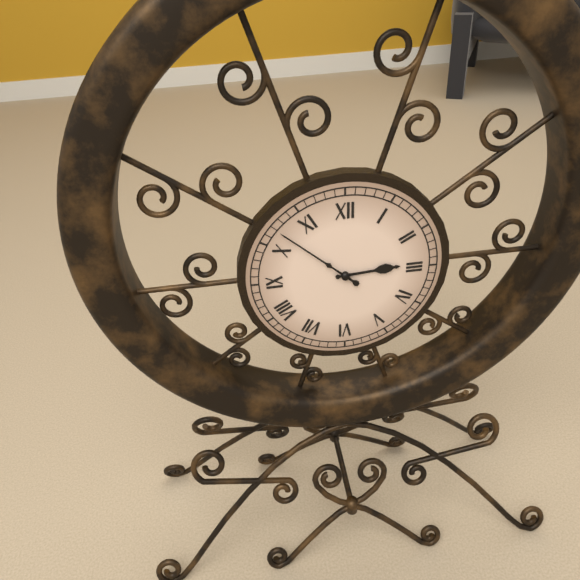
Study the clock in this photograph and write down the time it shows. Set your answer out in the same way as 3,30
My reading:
2,52
